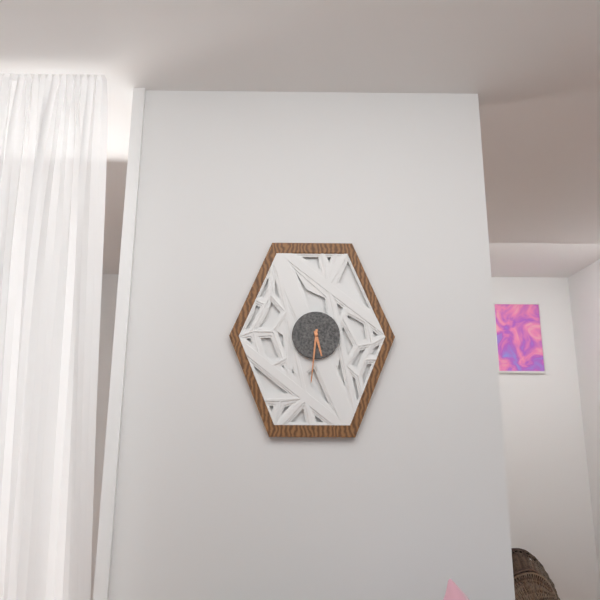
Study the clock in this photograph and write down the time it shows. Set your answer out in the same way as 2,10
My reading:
5,31
